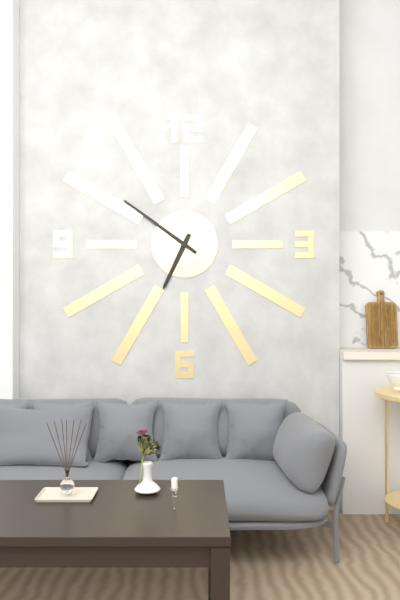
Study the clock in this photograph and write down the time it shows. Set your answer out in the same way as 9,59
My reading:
6,51
